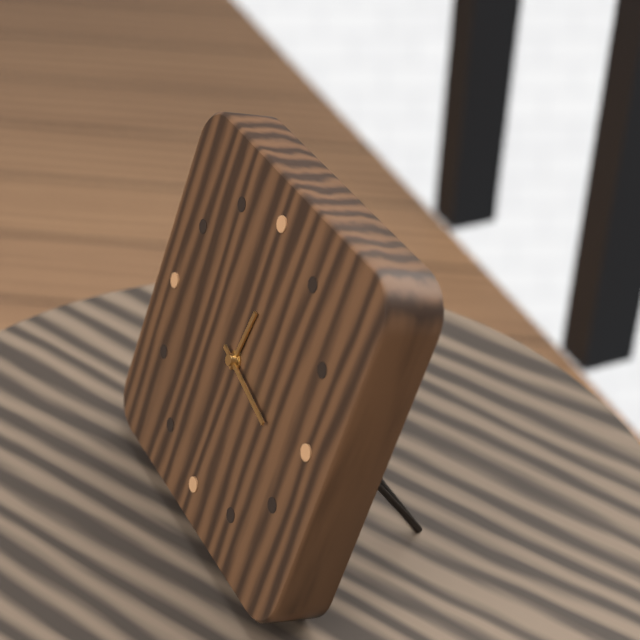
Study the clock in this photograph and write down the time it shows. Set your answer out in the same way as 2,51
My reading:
12,17
